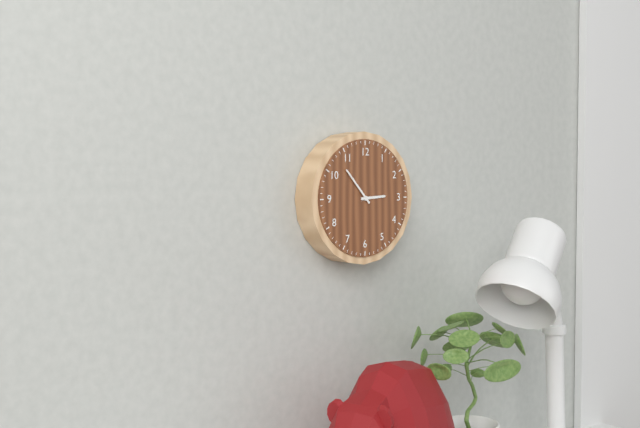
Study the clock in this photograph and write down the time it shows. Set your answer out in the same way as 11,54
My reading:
2,53
